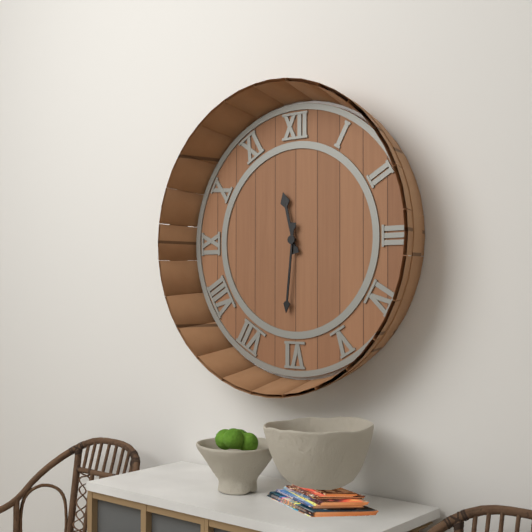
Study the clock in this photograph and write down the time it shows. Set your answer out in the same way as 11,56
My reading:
11,31
